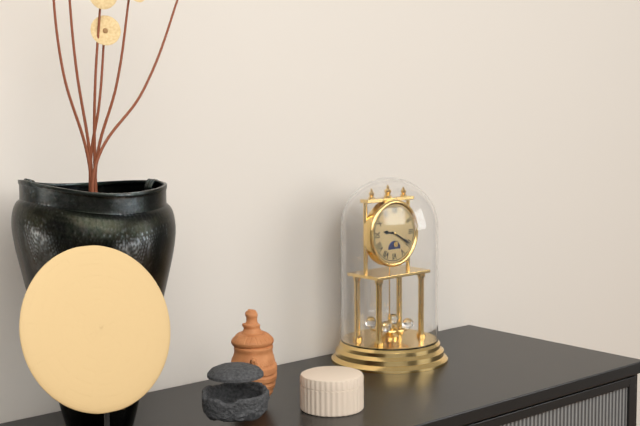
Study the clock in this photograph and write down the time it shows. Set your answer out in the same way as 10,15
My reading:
9,20
